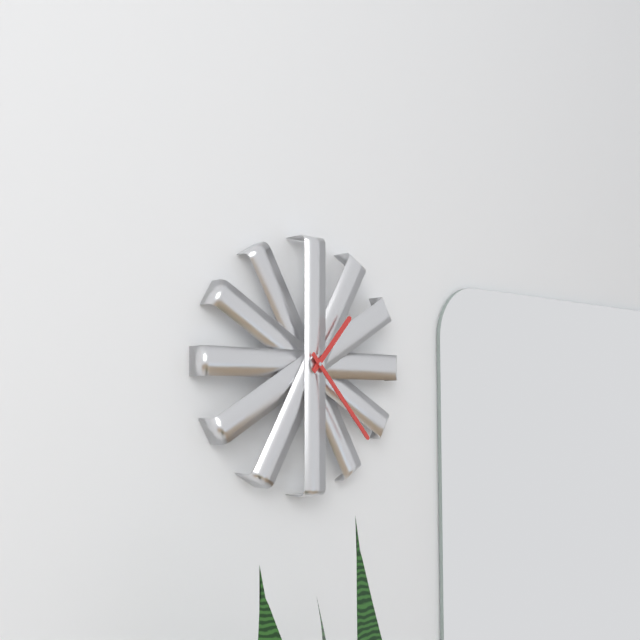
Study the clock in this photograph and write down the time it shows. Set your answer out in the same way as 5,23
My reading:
1,23
